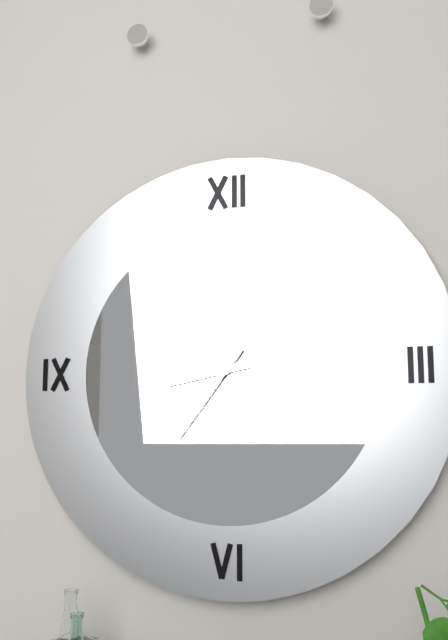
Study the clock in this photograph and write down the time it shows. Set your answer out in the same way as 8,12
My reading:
8,36
